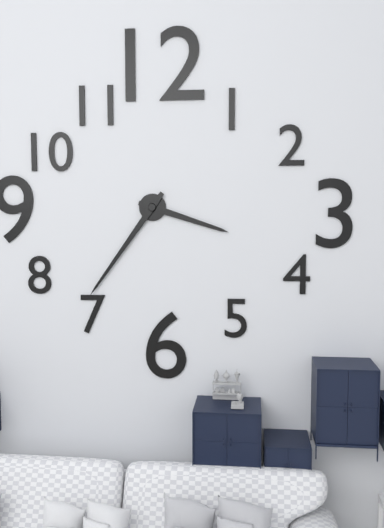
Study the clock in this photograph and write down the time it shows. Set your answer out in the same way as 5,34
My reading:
3,36
